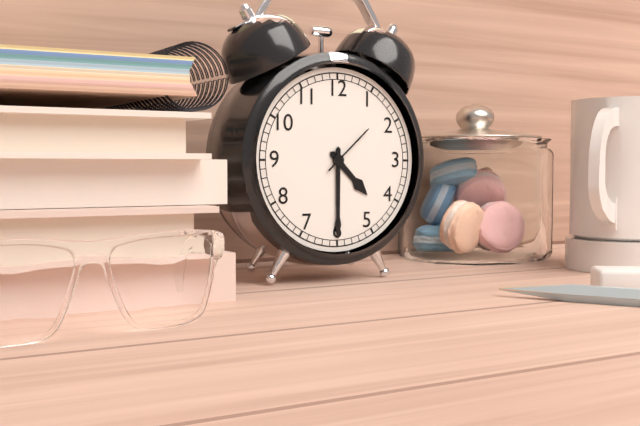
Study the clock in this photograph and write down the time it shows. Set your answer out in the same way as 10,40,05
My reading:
4,30,08
